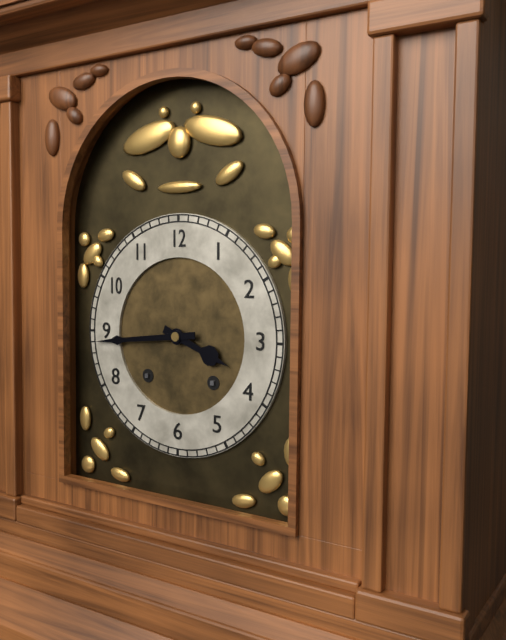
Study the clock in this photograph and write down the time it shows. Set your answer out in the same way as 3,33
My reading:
3,44
